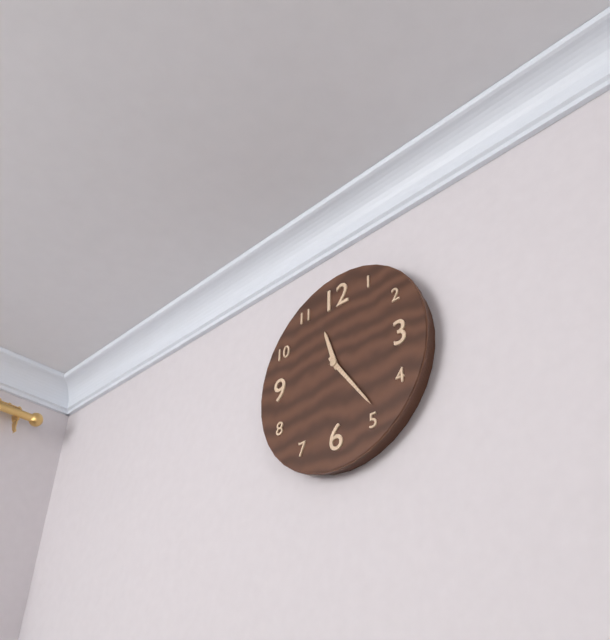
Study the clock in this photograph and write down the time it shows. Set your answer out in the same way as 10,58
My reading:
11,24
